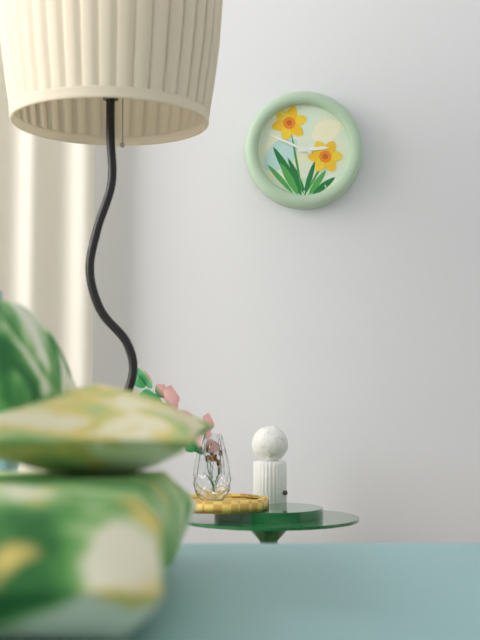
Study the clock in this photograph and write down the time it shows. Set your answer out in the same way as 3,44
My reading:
2,49
